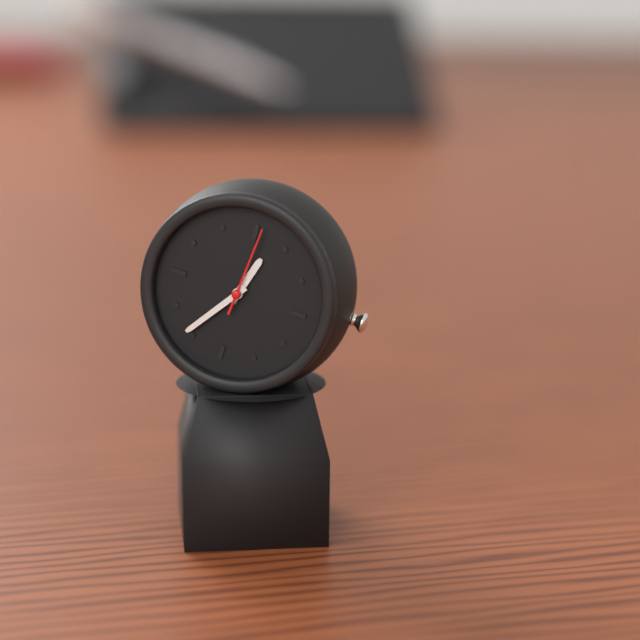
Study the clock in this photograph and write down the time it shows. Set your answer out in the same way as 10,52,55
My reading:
12,36,01
